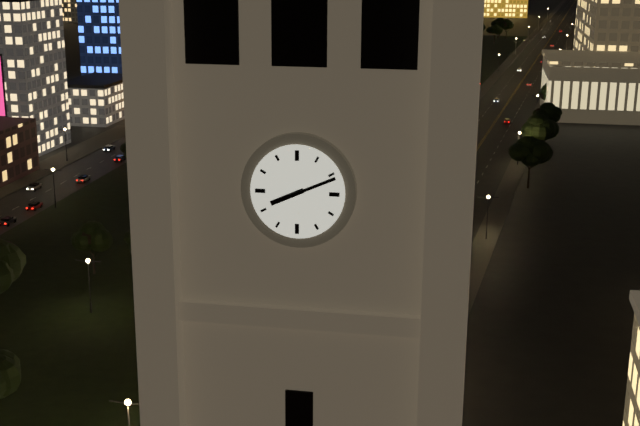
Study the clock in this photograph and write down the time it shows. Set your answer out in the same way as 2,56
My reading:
8,11
